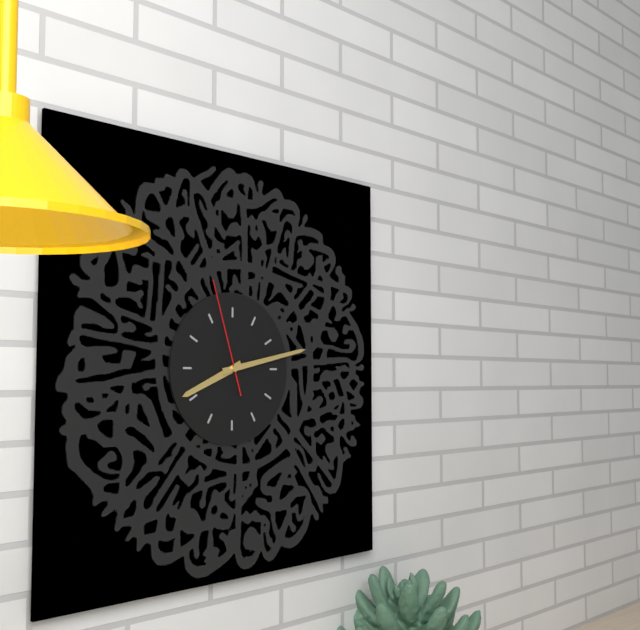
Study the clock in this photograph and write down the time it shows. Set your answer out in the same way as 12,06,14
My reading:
8,13,57
